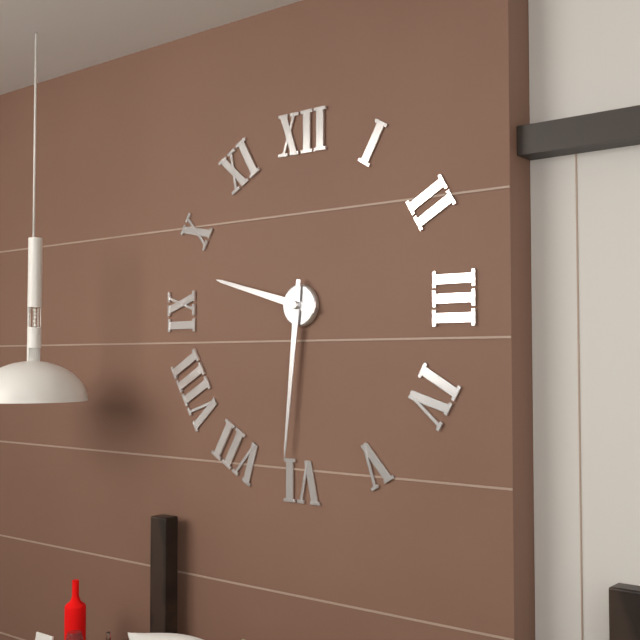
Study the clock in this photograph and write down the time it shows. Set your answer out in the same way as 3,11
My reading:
9,31
